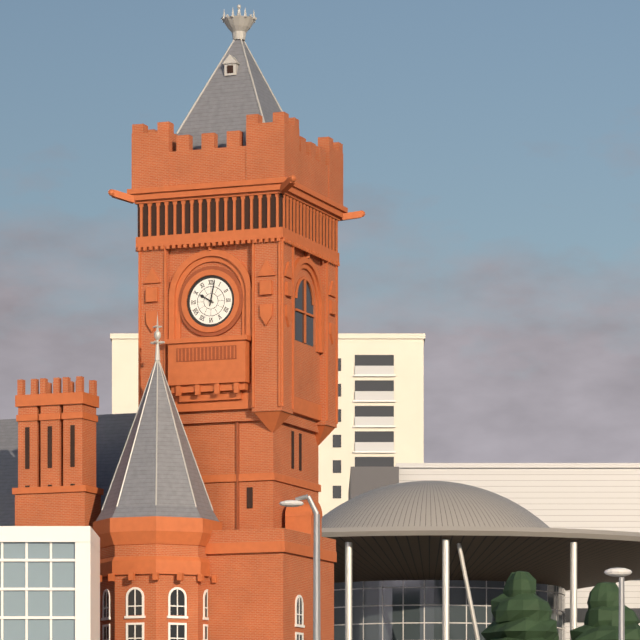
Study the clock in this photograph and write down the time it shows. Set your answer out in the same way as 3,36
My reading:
10,02
